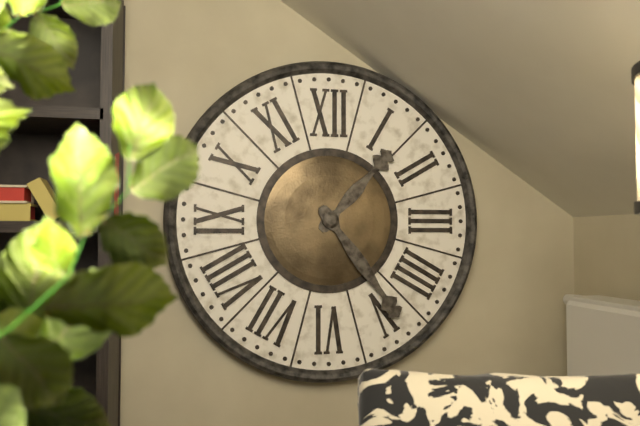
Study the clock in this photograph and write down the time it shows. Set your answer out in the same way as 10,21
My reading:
1,24
